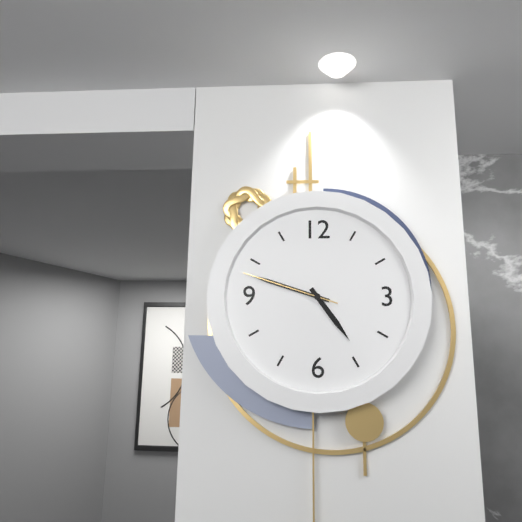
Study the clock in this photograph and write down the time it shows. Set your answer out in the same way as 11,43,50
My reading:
4,48,48
